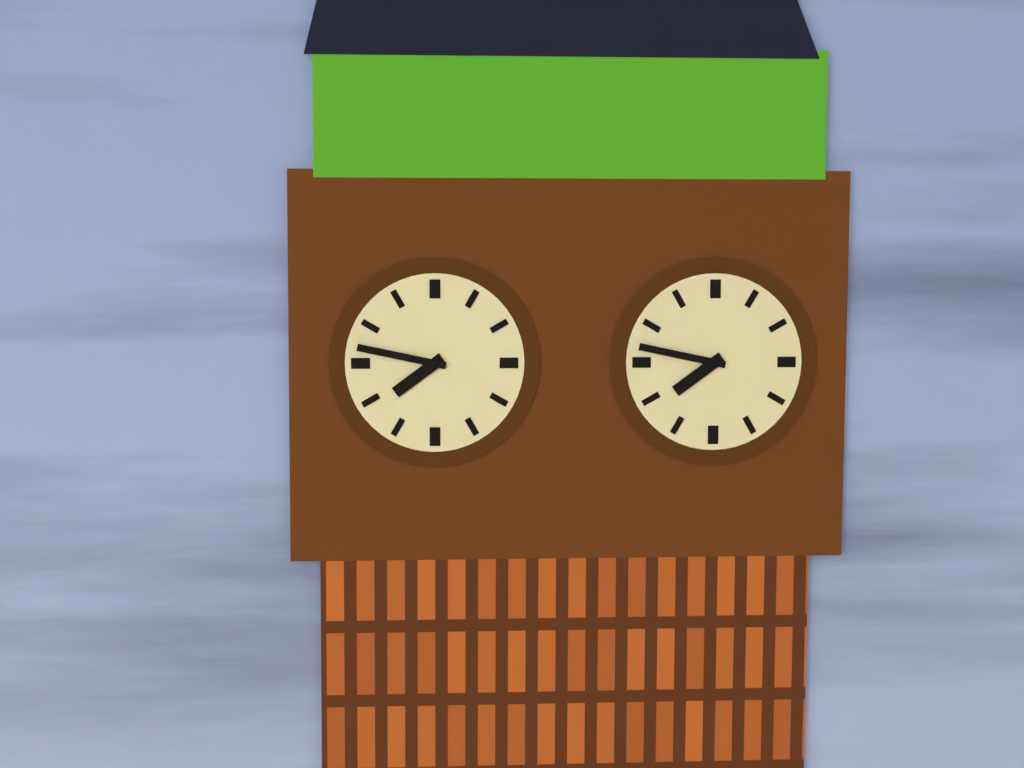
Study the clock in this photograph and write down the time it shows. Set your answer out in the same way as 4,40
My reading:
7,47
